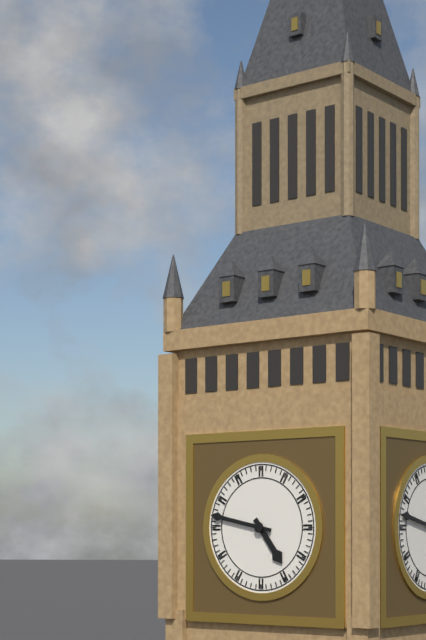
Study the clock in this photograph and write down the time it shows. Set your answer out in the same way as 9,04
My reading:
4,47
